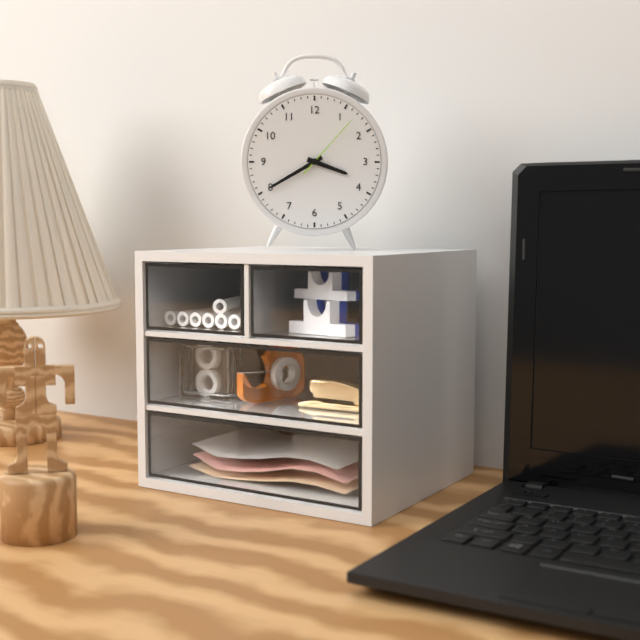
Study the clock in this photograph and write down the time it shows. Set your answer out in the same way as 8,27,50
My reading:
3,40,07
